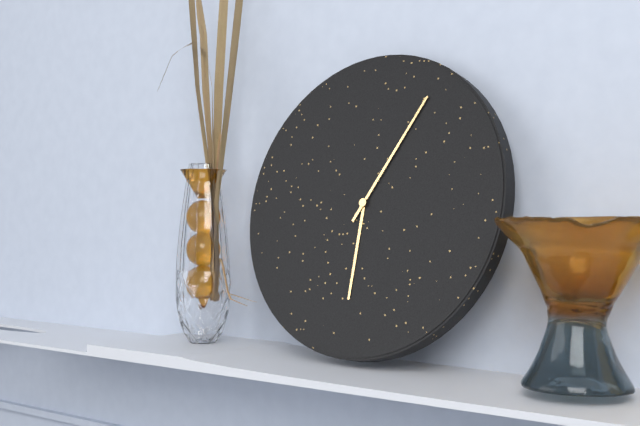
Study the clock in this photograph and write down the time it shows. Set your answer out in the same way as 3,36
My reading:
6,05
